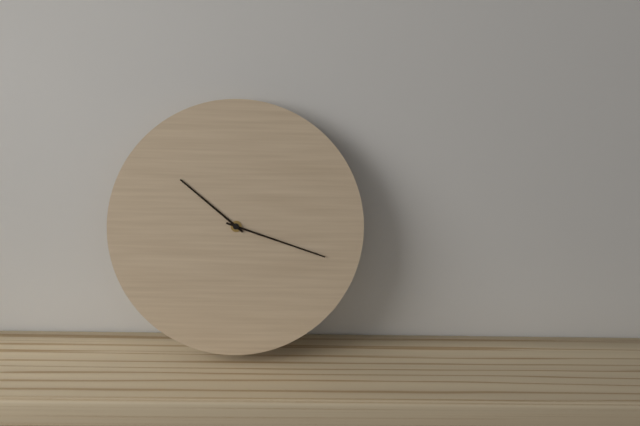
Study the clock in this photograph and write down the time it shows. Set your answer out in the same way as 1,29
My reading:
10,18
